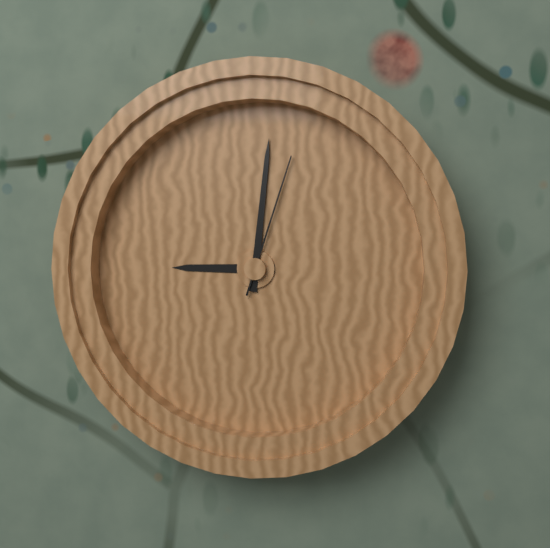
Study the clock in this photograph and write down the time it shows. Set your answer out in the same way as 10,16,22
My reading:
9,01,03
